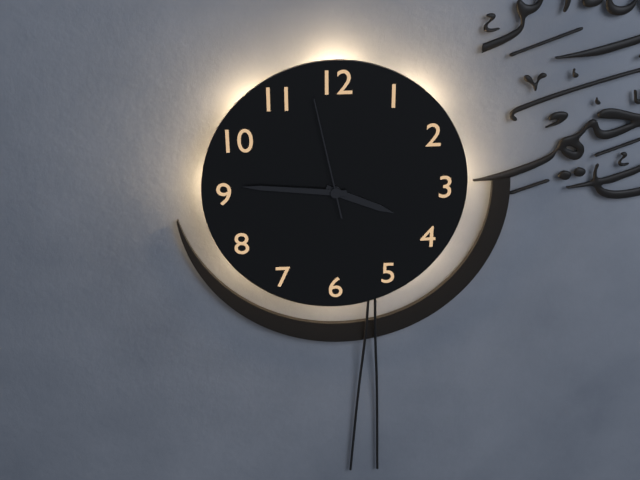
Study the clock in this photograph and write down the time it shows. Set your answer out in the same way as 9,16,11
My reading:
3,46,58
